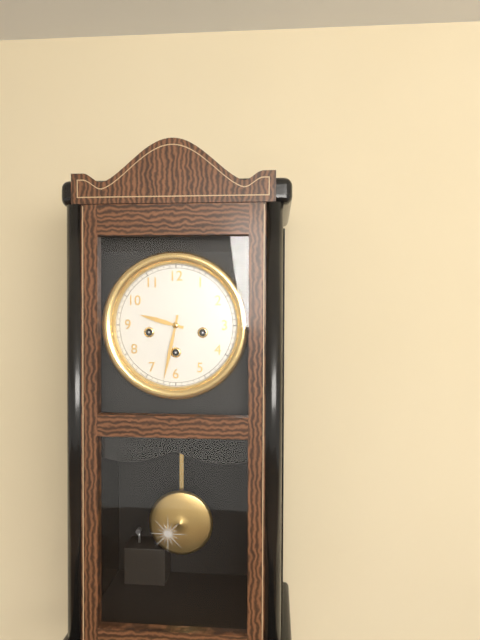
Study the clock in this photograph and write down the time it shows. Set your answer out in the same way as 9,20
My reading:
9,32
